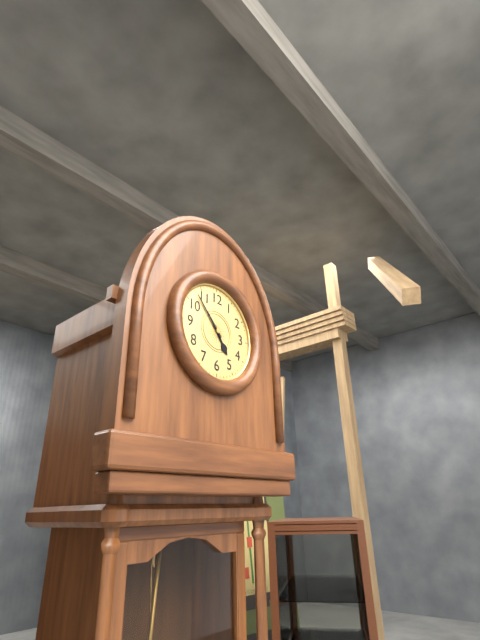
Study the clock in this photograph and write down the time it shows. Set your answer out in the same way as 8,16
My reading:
4,53
